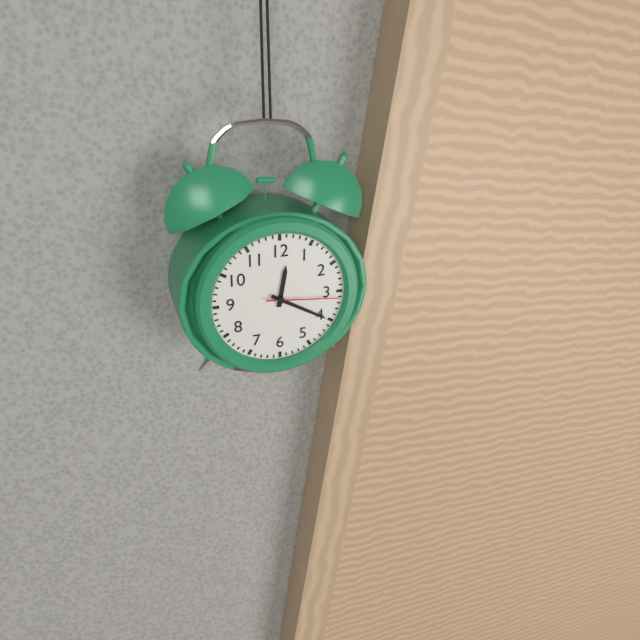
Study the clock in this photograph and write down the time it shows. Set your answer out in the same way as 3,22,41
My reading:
12,20,16
